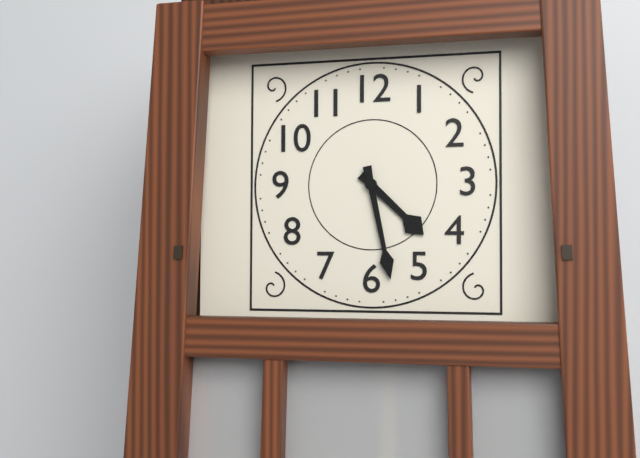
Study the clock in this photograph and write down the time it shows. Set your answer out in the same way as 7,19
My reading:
4,28
